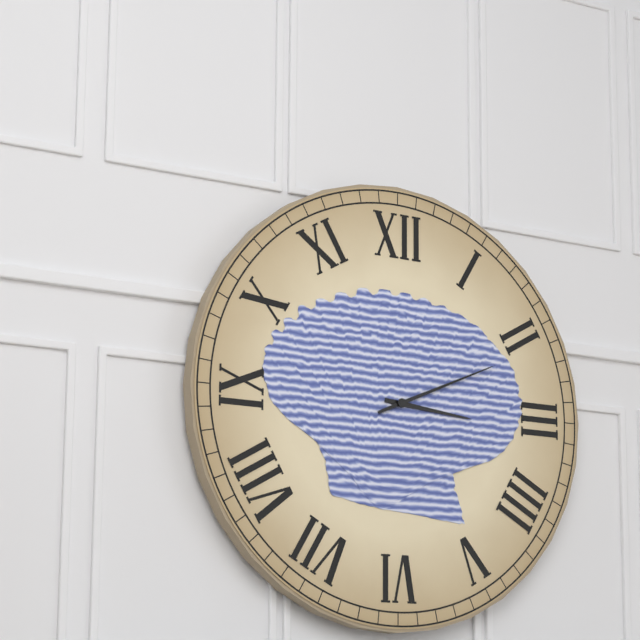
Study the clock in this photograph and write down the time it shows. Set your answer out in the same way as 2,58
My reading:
3,11
